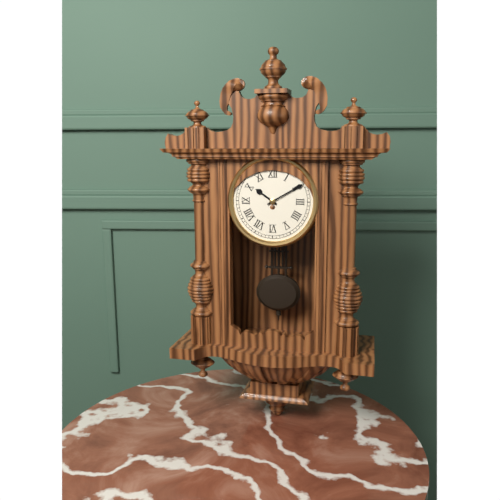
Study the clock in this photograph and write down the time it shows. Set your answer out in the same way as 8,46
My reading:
10,10
